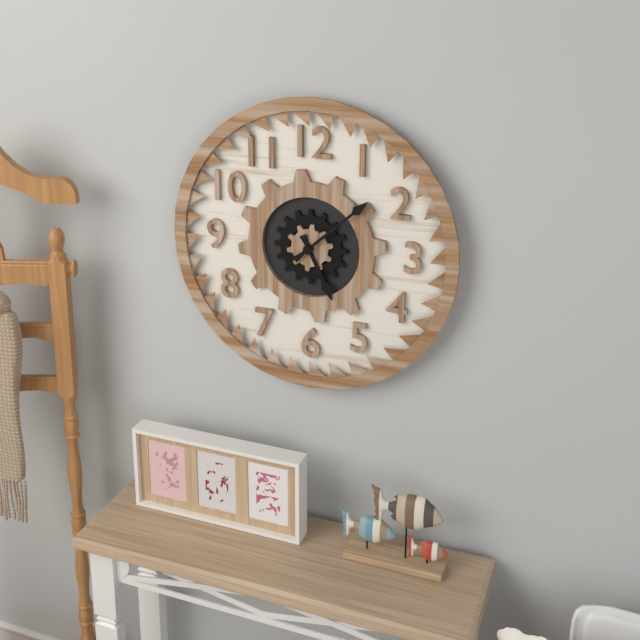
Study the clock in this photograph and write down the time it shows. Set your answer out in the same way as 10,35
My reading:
5,08
